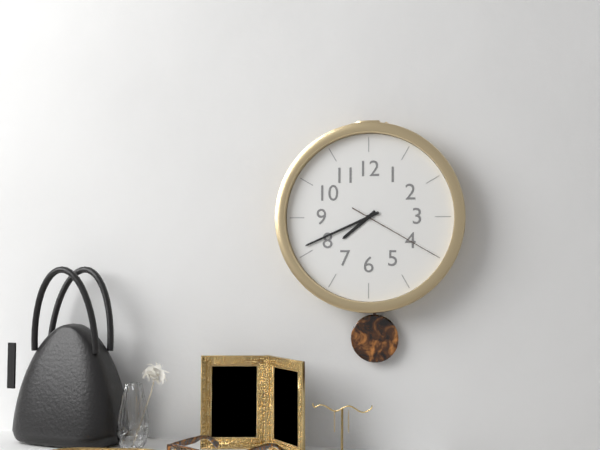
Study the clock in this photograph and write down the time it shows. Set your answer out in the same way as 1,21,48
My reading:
7,41,20
